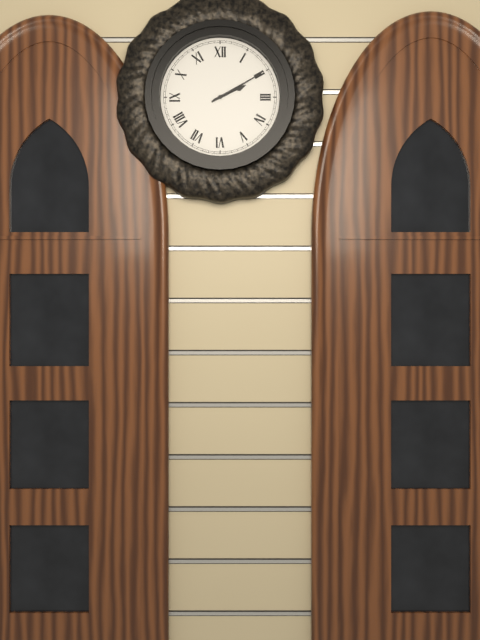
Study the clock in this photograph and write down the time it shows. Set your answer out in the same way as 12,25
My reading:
2,10
